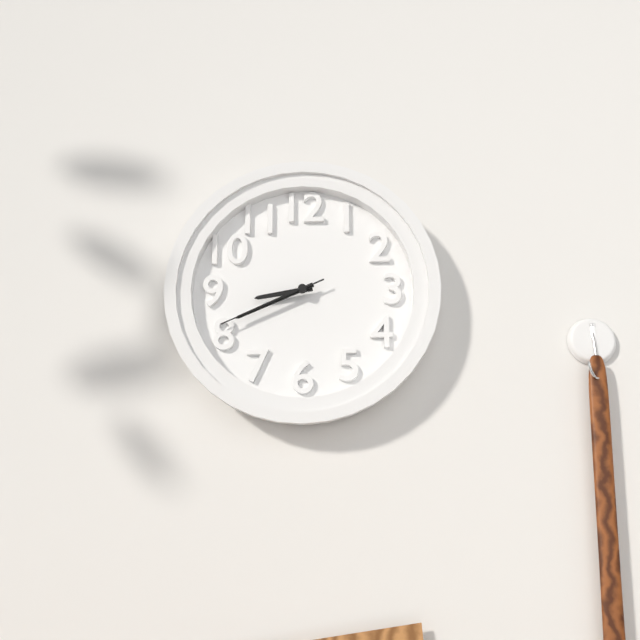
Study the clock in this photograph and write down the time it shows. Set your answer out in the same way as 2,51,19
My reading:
8,41,41
